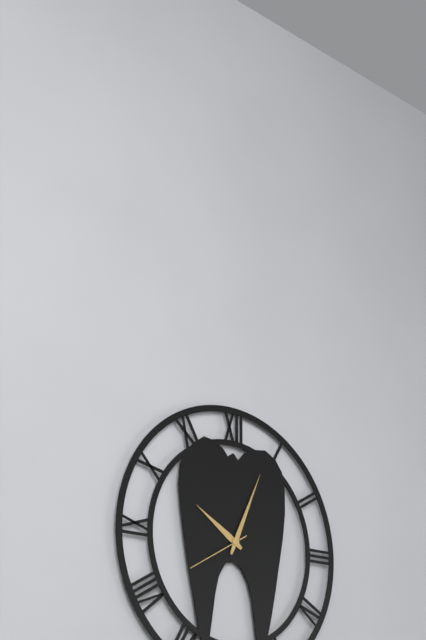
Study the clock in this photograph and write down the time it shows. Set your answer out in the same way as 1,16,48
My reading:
10,04,40
